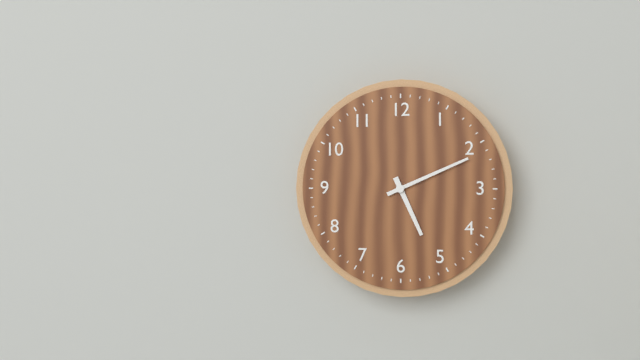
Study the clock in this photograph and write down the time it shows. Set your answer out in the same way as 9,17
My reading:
5,11
